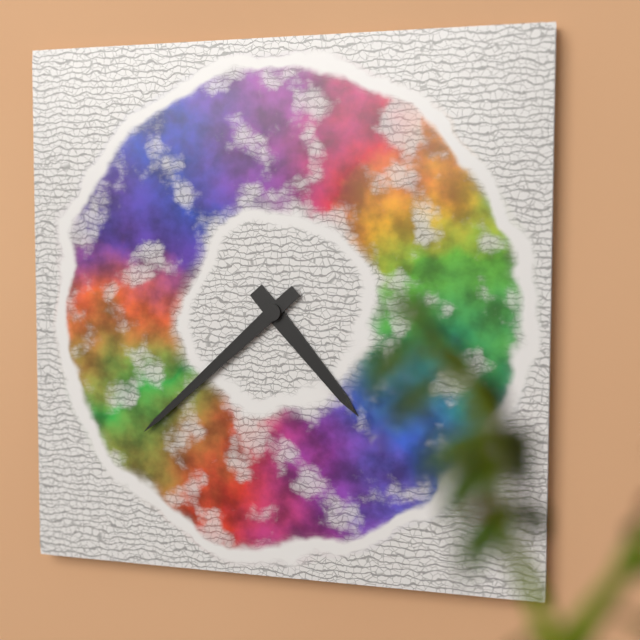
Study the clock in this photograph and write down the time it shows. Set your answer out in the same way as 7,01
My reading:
4,38
